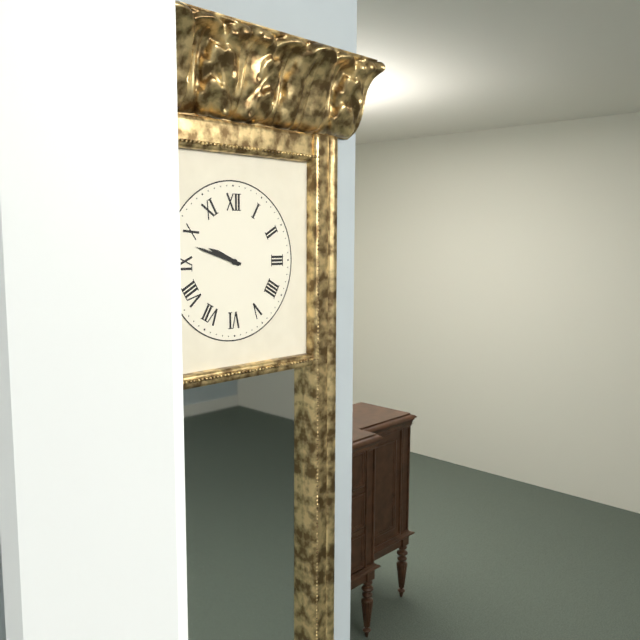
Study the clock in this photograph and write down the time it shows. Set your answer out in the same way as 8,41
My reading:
9,48
